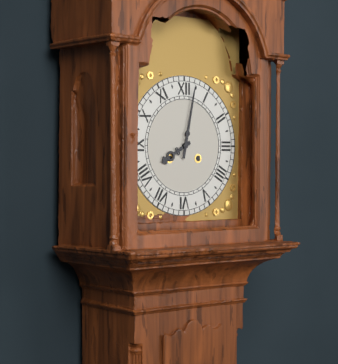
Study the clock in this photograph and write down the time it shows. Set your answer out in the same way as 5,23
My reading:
8,02
